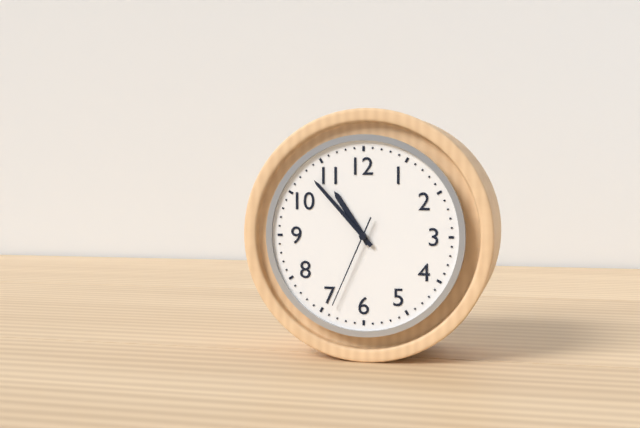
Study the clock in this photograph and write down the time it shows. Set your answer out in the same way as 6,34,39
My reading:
10,53,34
